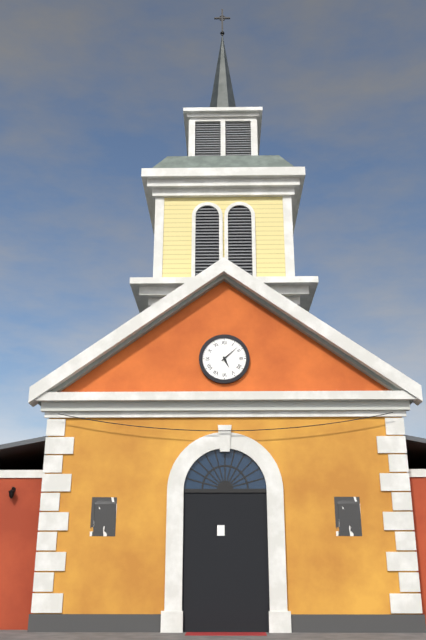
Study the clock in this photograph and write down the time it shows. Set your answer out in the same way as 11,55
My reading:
5,08
